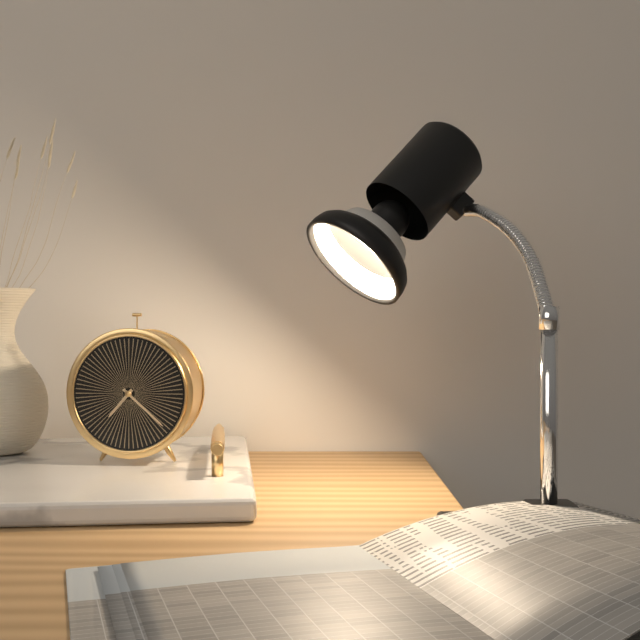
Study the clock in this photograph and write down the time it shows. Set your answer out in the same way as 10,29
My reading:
7,22
